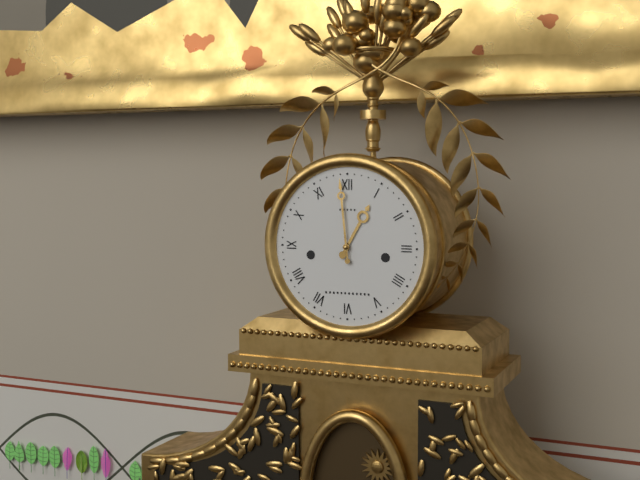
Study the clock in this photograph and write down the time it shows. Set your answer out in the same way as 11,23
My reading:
12,59
